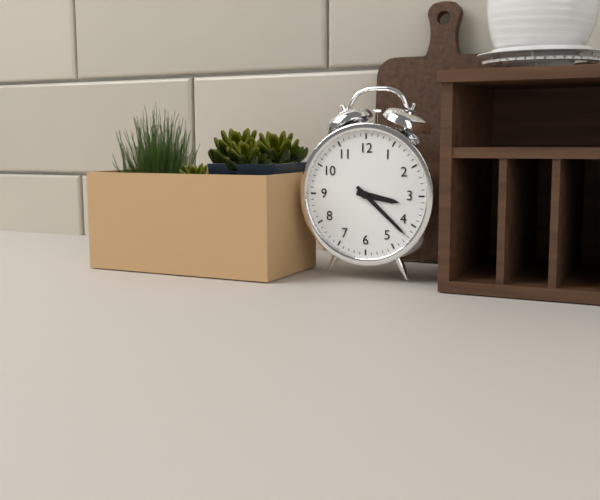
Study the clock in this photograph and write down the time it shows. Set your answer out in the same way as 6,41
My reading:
3,22
